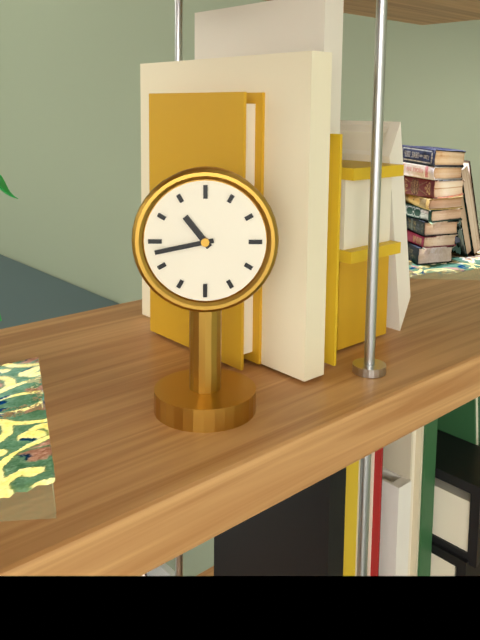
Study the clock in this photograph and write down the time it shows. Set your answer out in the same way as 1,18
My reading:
10,43
